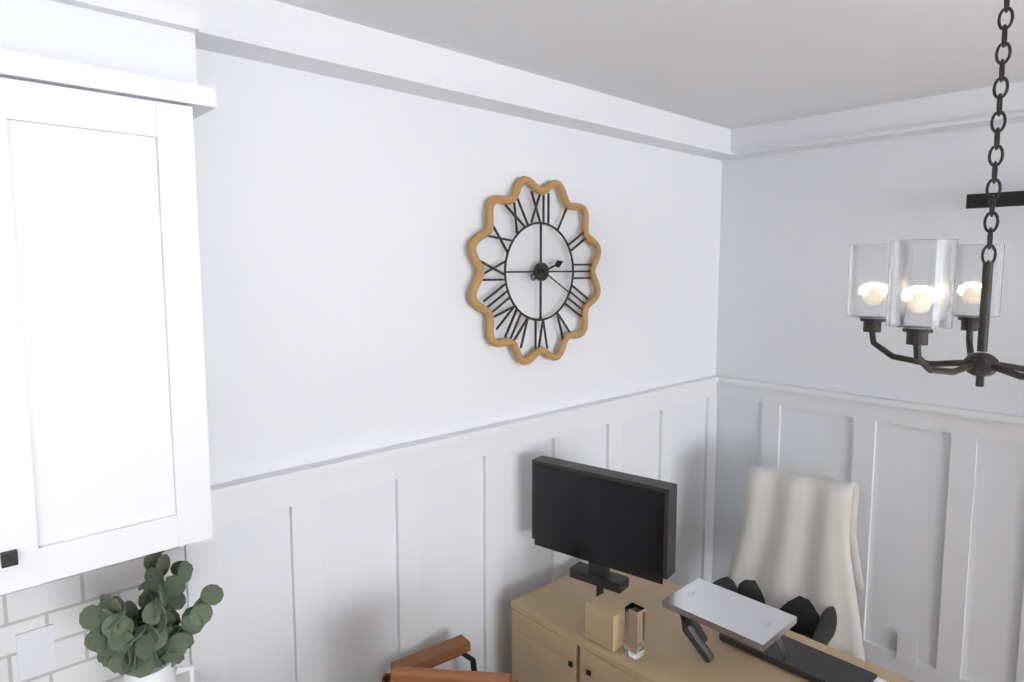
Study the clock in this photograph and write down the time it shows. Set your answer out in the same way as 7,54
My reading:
2,20
